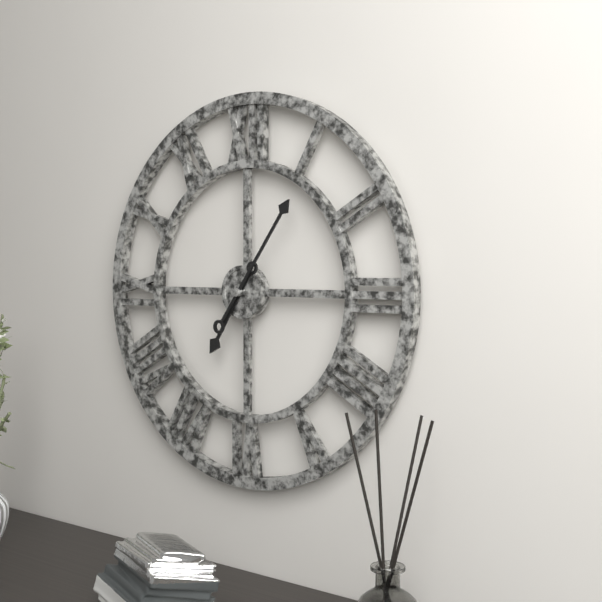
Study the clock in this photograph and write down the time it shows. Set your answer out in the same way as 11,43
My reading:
7,06
